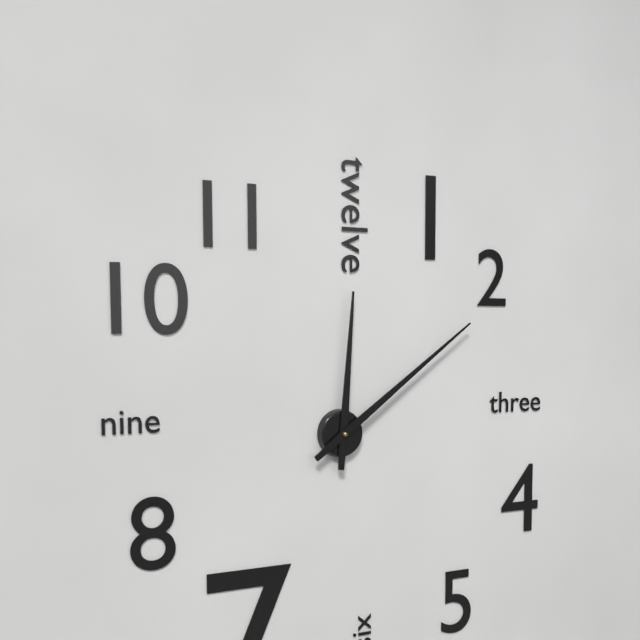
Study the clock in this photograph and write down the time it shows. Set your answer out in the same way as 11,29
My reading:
12,09
